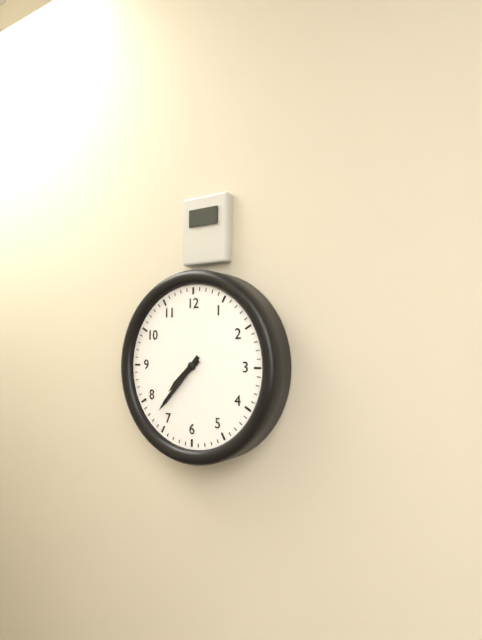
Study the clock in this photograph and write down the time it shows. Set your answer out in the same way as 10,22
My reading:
7,37
